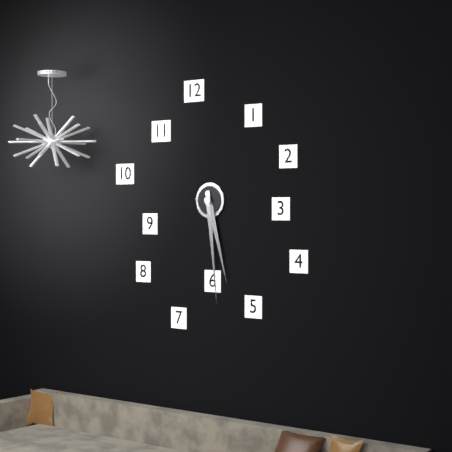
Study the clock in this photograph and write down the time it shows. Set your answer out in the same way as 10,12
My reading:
5,29
